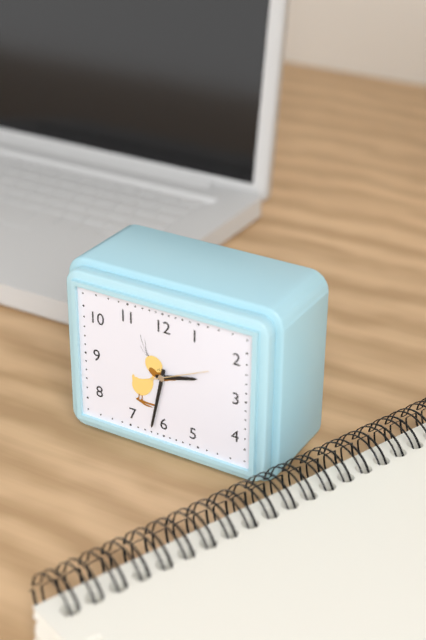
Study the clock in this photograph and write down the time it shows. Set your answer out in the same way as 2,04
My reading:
2,32
